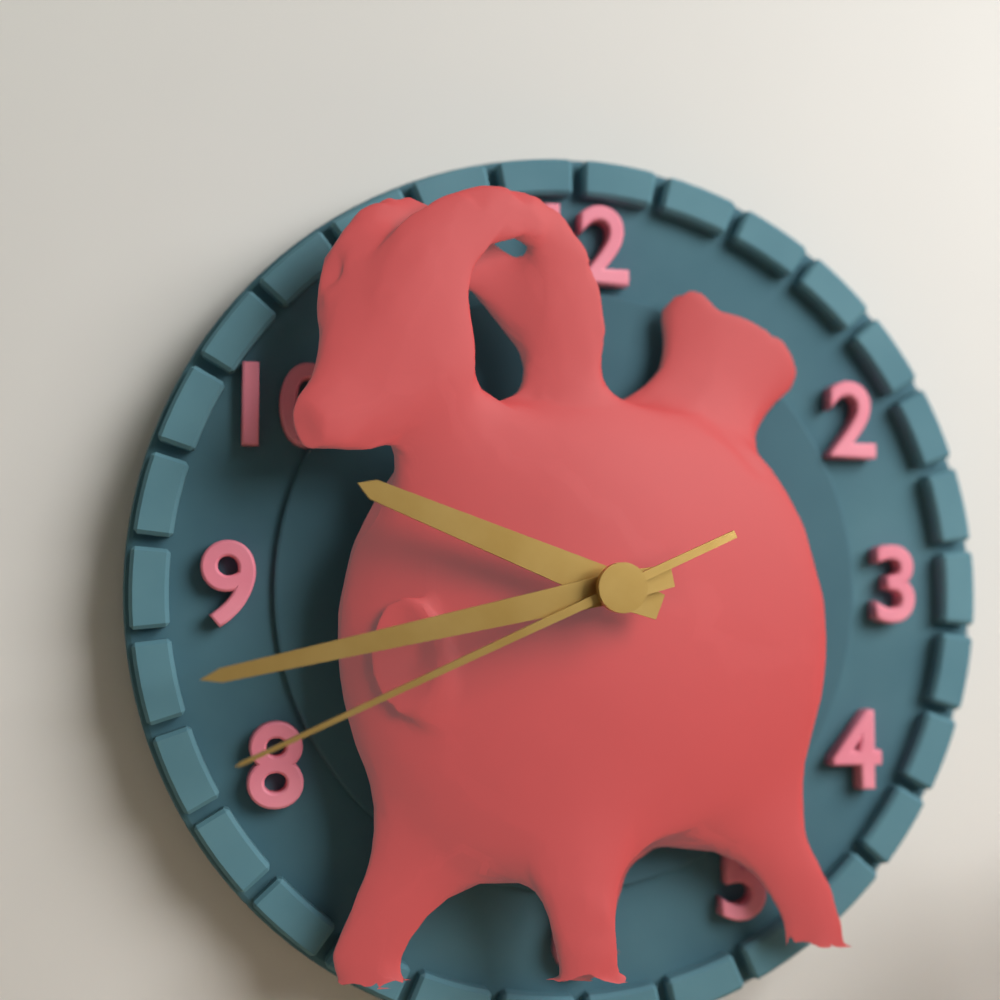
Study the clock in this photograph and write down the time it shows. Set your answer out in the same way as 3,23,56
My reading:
9,43,41
